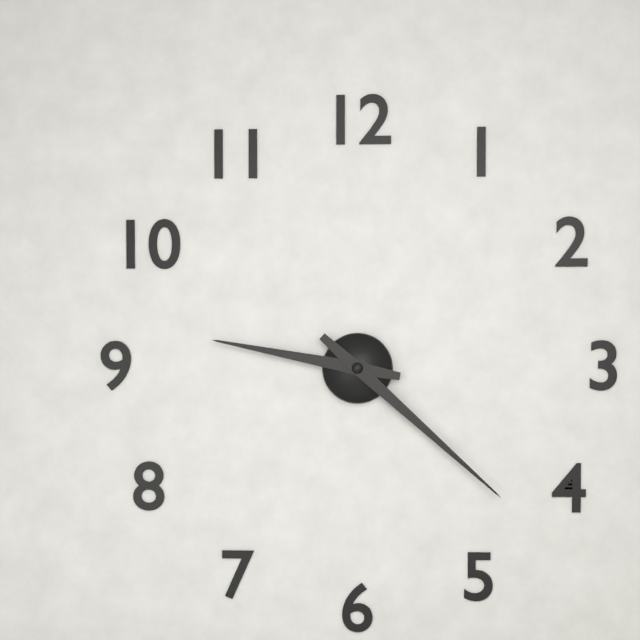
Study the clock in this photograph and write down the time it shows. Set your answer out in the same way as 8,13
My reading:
9,22
